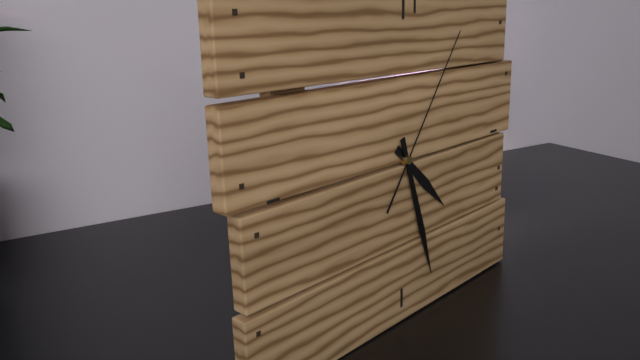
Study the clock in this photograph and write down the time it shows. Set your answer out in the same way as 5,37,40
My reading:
4,27,06
